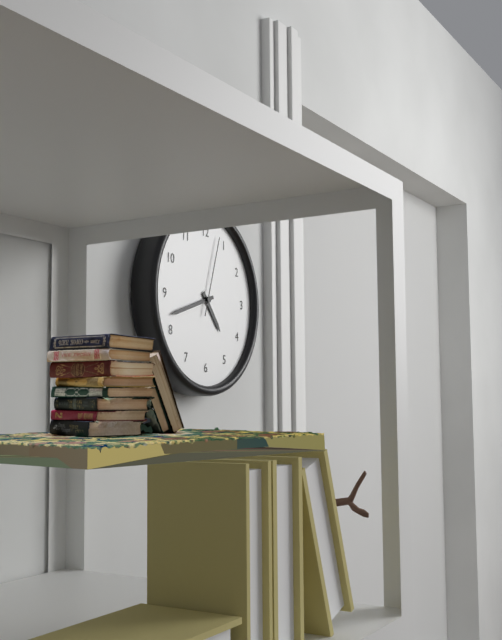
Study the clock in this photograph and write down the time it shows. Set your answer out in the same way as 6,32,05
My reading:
4,42,03
